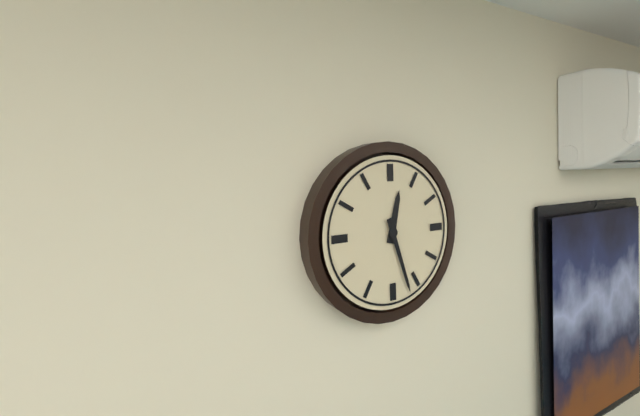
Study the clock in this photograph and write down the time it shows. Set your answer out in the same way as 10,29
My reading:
12,27
